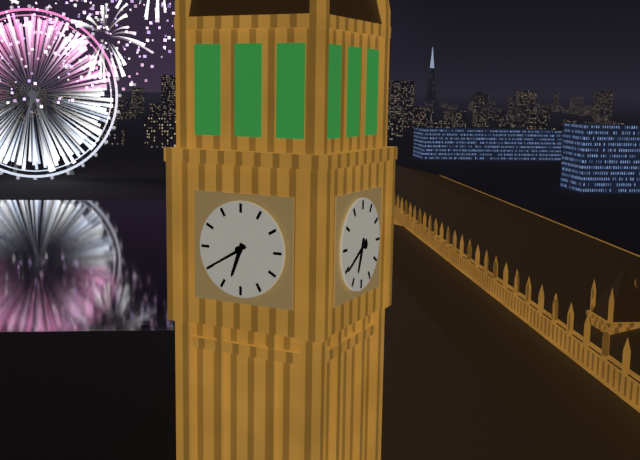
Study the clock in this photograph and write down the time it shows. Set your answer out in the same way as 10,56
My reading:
6,40
